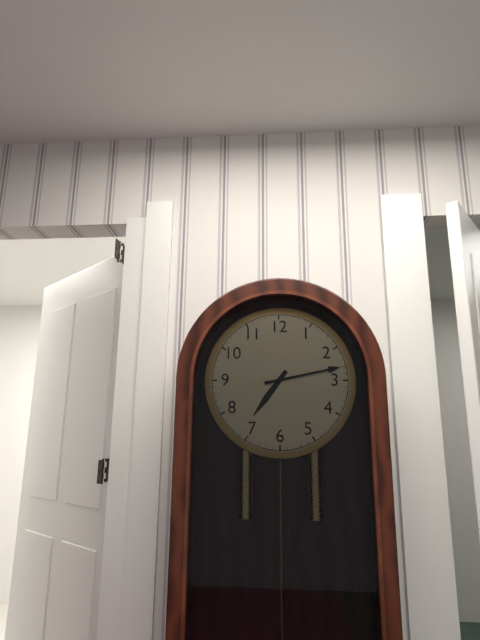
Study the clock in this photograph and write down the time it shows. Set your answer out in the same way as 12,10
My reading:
7,13
